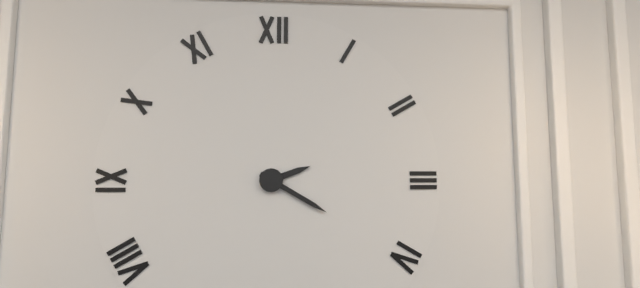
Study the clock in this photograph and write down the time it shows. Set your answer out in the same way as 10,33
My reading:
2,20
